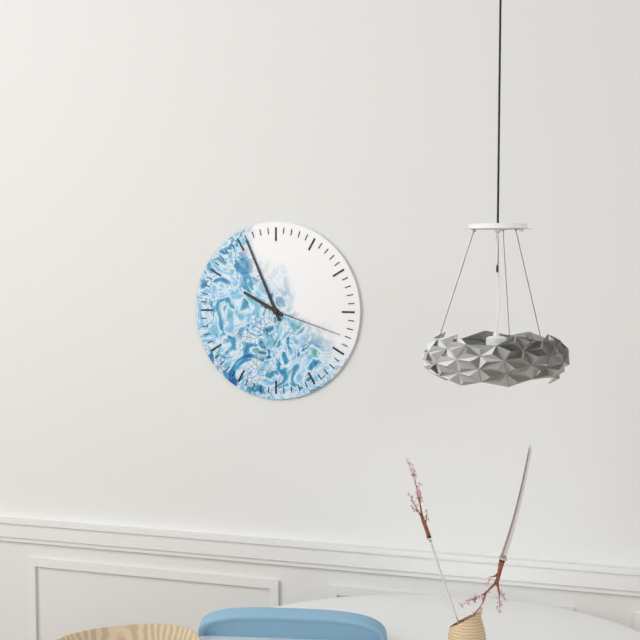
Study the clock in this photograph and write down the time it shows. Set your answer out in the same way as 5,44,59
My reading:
9,56,18
